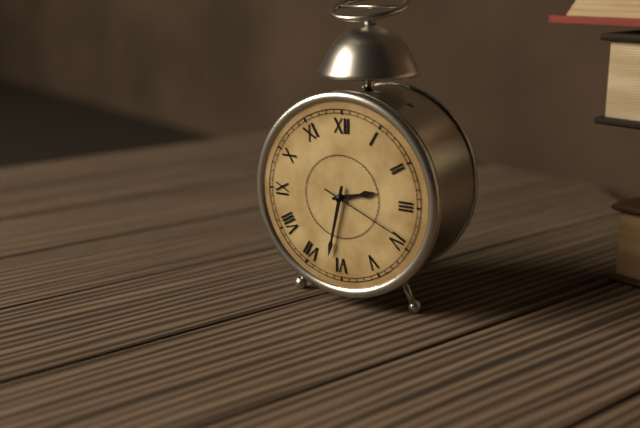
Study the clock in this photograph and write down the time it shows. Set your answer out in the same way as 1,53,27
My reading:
2,32,19
